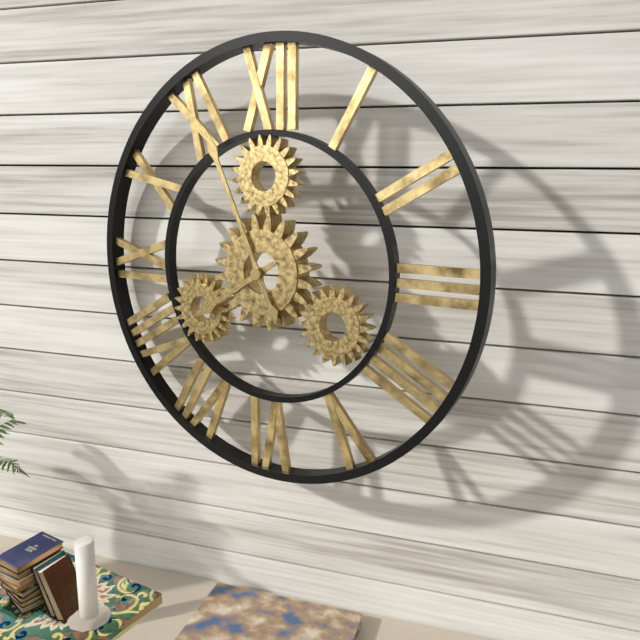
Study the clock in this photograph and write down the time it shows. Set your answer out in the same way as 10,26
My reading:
7,56
